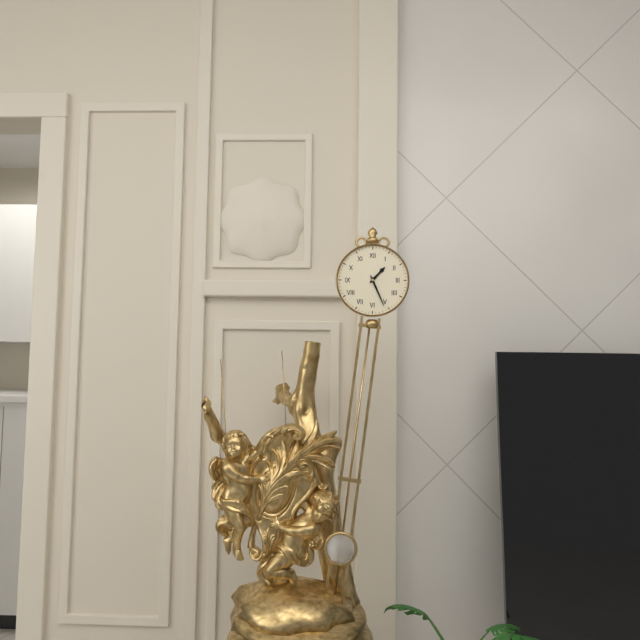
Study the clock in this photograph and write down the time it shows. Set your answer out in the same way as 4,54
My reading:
1,26
